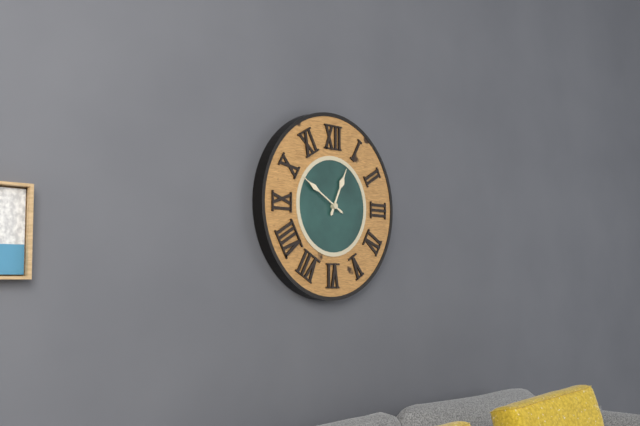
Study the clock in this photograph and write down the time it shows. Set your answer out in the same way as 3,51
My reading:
12,50
